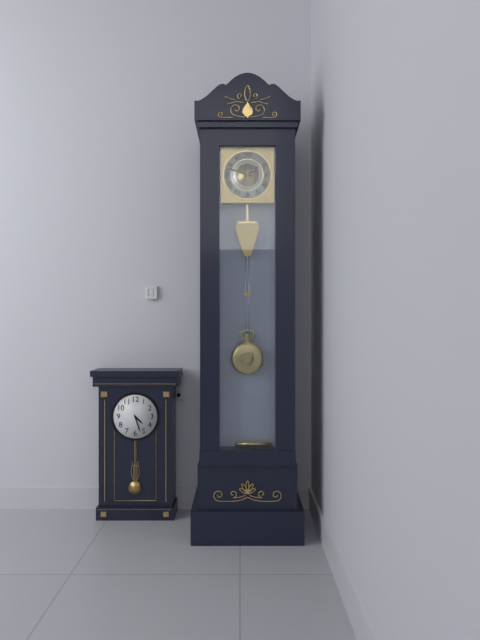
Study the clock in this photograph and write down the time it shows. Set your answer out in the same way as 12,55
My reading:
1,48
